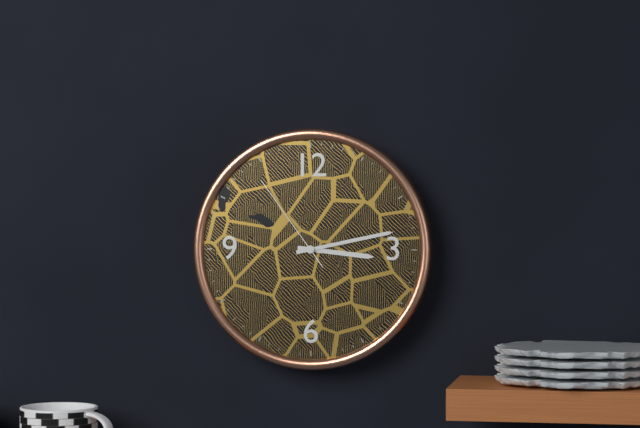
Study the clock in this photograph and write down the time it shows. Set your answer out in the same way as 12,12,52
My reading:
3,13,54
